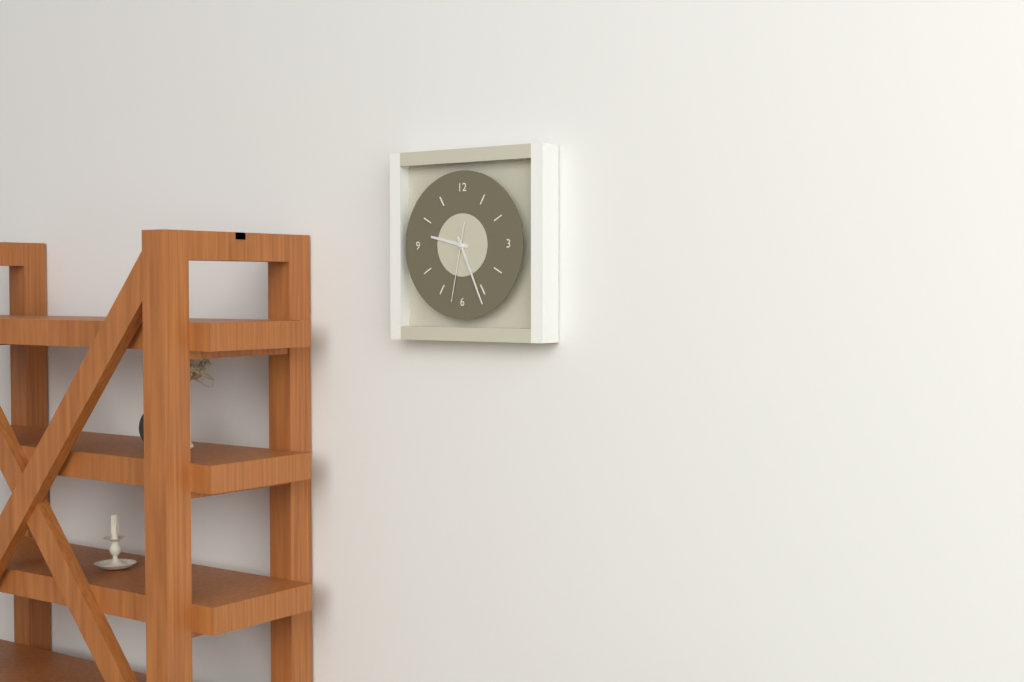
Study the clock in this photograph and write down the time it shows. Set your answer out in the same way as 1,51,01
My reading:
9,26,32
